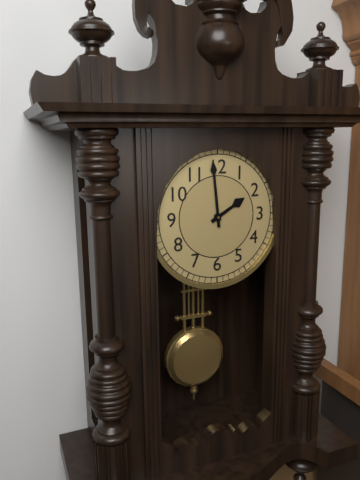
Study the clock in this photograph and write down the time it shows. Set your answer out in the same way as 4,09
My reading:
1,59
